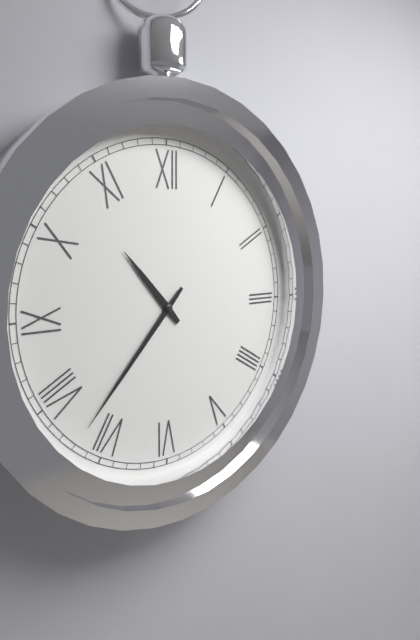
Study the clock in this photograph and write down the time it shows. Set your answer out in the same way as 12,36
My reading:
10,37
